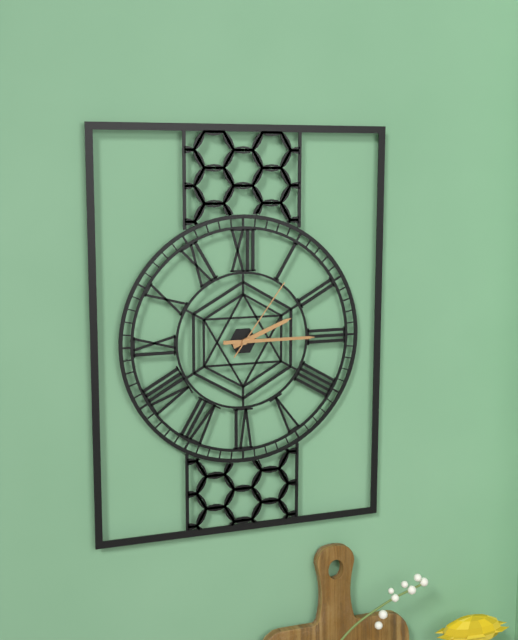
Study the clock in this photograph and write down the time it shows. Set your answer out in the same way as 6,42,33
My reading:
2,15,06
